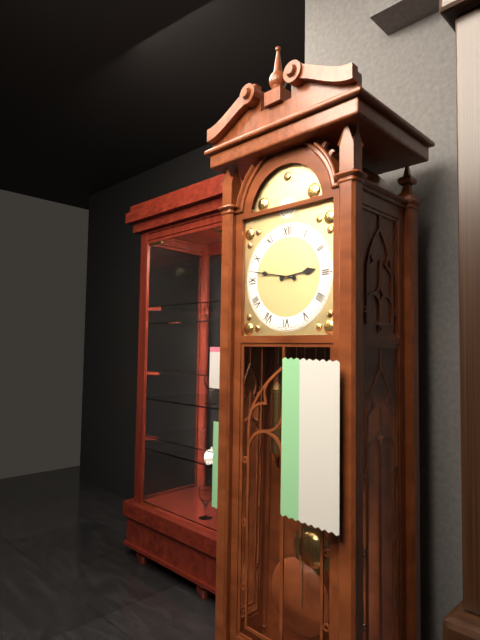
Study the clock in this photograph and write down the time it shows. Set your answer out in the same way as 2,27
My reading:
2,47
